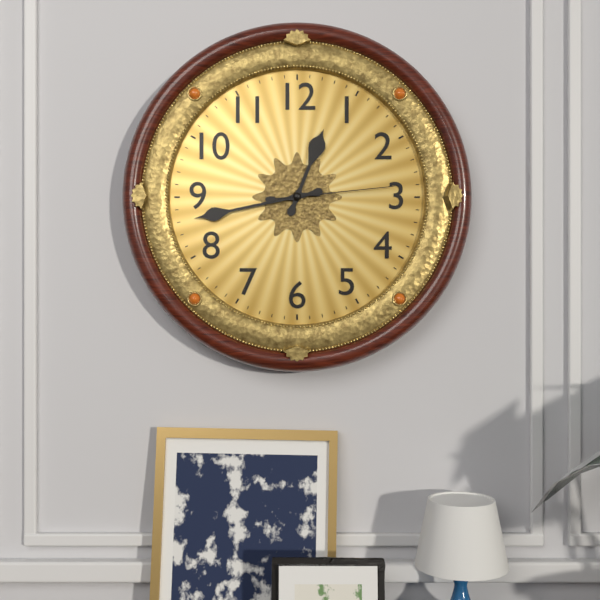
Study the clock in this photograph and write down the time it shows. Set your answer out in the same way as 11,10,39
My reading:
12,43,14
